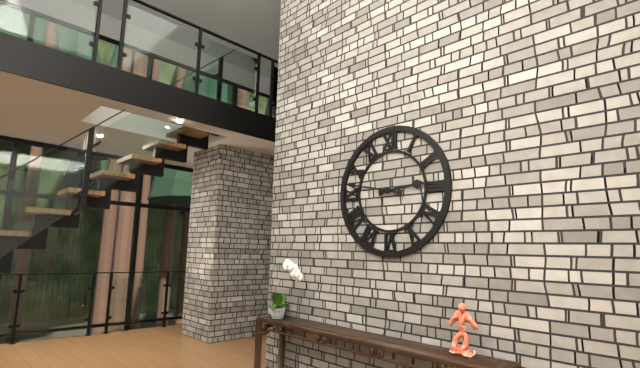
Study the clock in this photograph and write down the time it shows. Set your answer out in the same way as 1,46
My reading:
2,47
